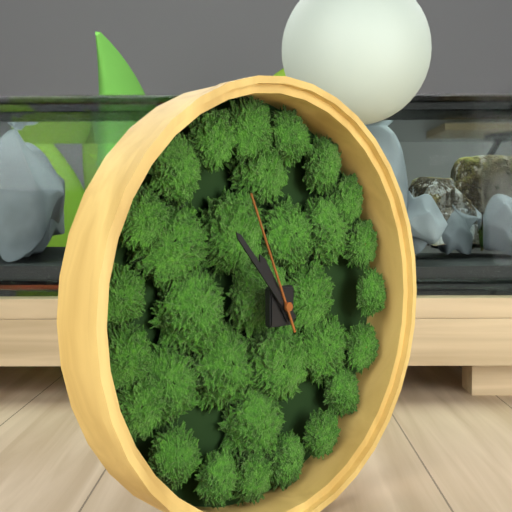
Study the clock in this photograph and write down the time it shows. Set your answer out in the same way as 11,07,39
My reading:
10,53,56
